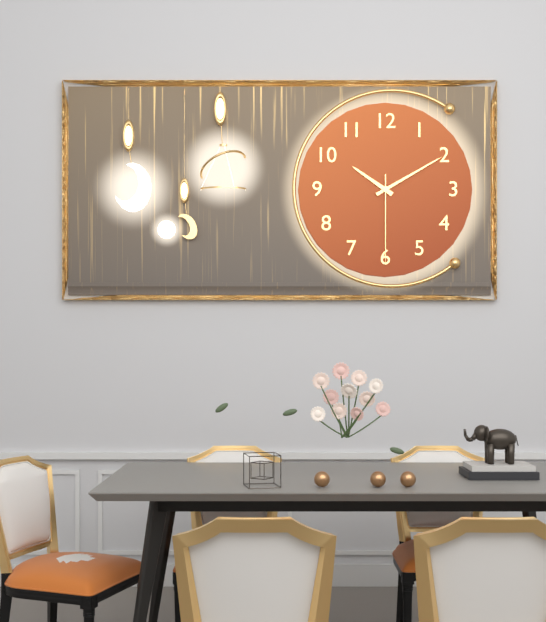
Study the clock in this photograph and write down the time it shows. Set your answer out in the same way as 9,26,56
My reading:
10,10,30
